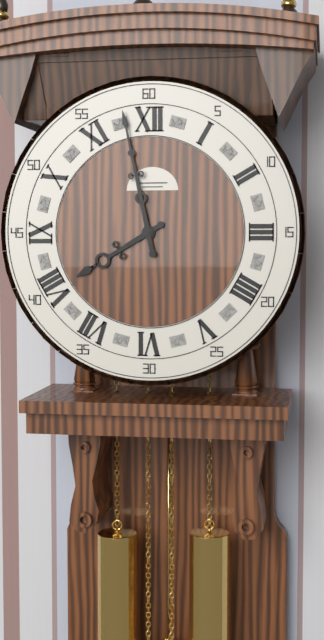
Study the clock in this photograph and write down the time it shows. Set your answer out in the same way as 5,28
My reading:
7,58
